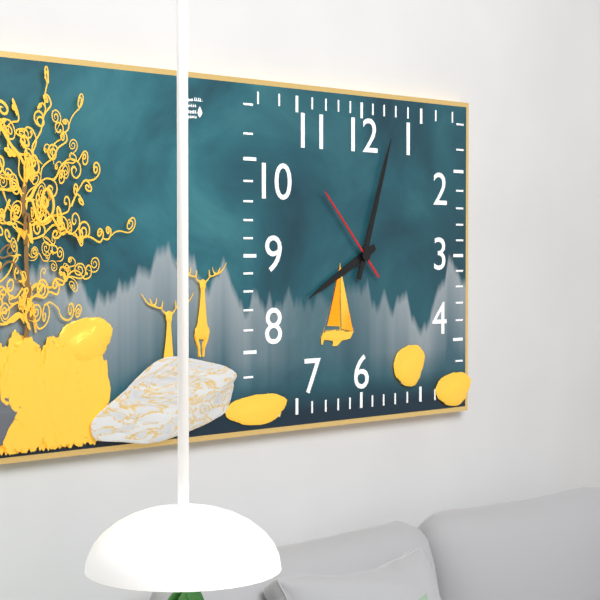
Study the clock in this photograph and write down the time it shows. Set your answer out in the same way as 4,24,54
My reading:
8,03,53
